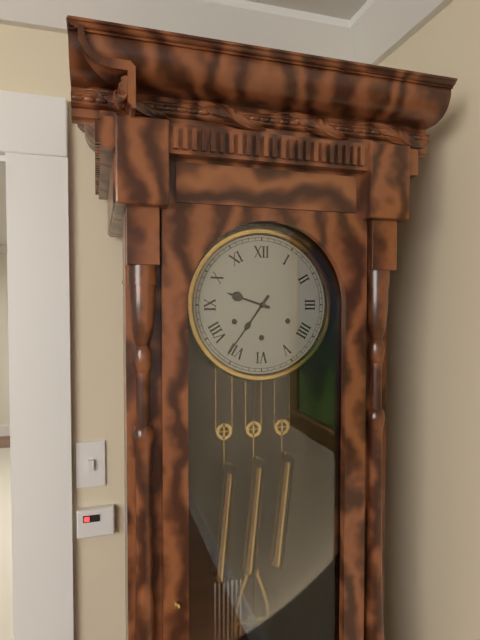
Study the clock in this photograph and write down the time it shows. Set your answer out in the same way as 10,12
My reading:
9,36
